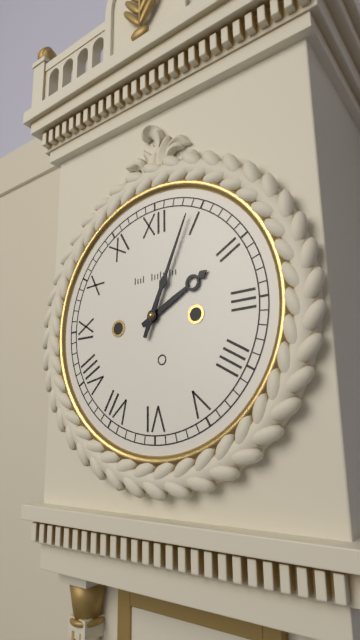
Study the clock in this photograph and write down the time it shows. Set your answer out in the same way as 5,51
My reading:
2,04
